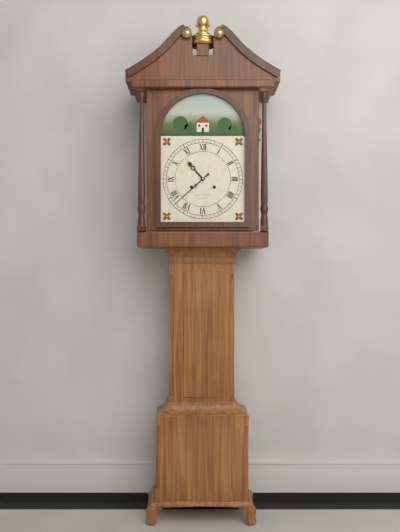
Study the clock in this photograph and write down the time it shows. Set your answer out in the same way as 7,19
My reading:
10,38
